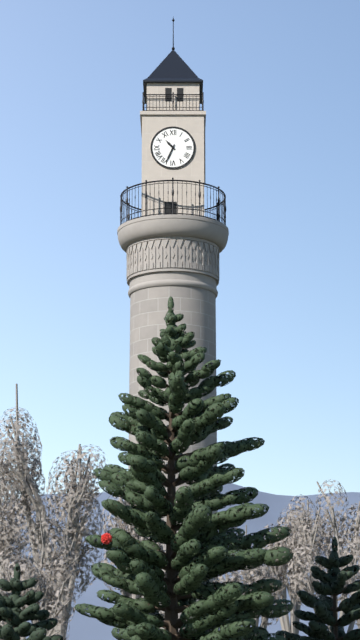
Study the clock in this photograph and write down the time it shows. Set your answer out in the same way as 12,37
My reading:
10,34
